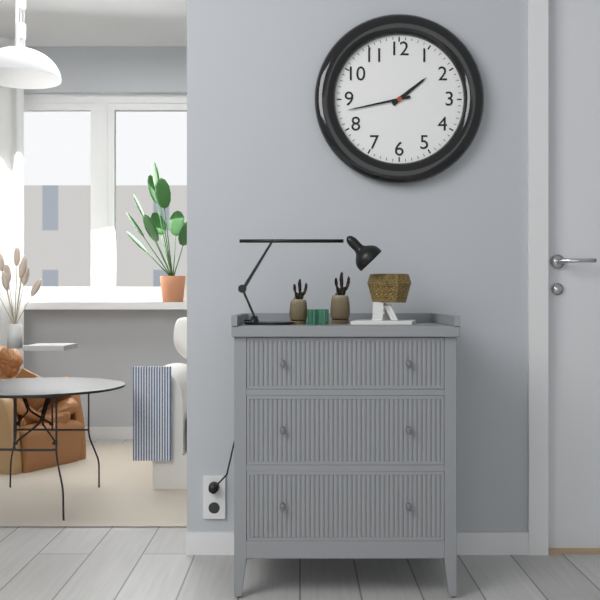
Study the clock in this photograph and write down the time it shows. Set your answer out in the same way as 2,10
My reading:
1,43
